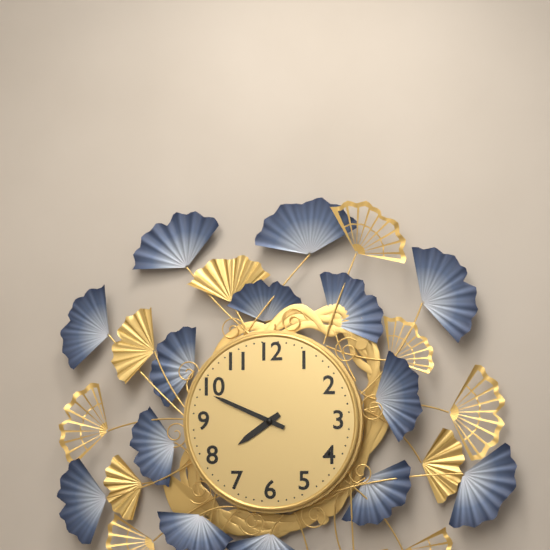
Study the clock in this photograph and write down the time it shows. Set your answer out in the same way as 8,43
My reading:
7,49
